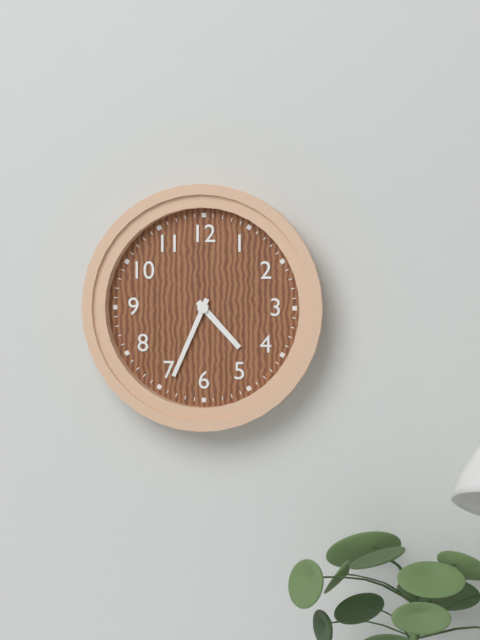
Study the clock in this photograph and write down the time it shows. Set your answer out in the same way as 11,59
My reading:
4,34
